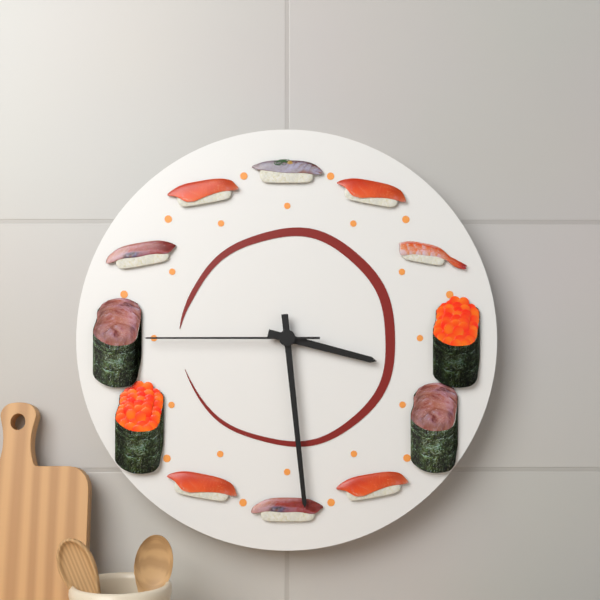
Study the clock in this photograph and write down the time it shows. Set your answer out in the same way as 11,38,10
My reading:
3,29,45
